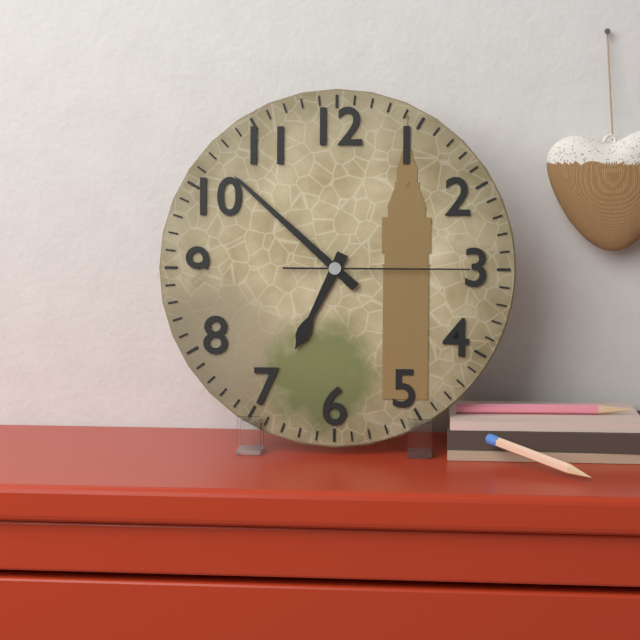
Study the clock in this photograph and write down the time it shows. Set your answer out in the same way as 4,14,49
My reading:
6,52,15
